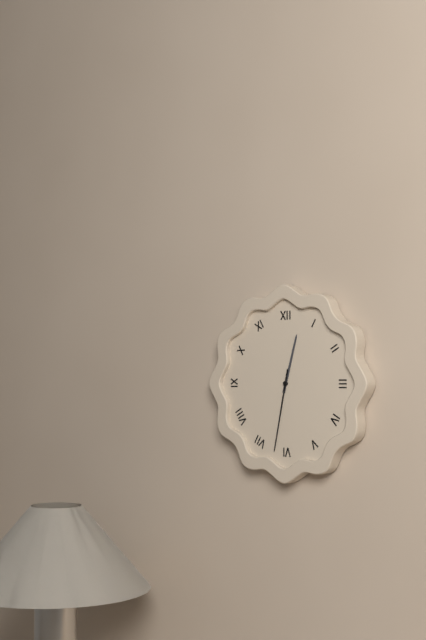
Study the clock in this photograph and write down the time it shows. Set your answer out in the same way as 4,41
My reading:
12,32
